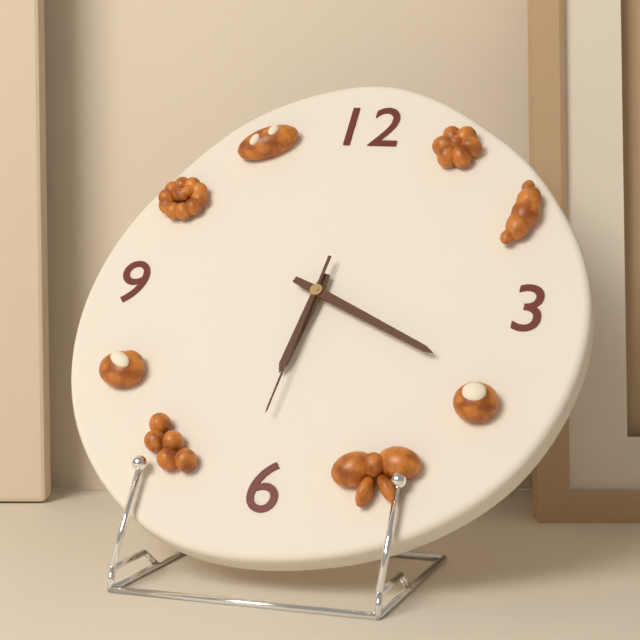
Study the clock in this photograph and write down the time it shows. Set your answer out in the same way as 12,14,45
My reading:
6,19,31
